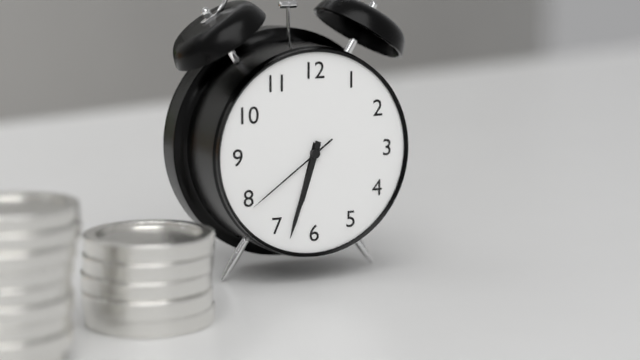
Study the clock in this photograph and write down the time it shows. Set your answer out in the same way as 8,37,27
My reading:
6,33,39
